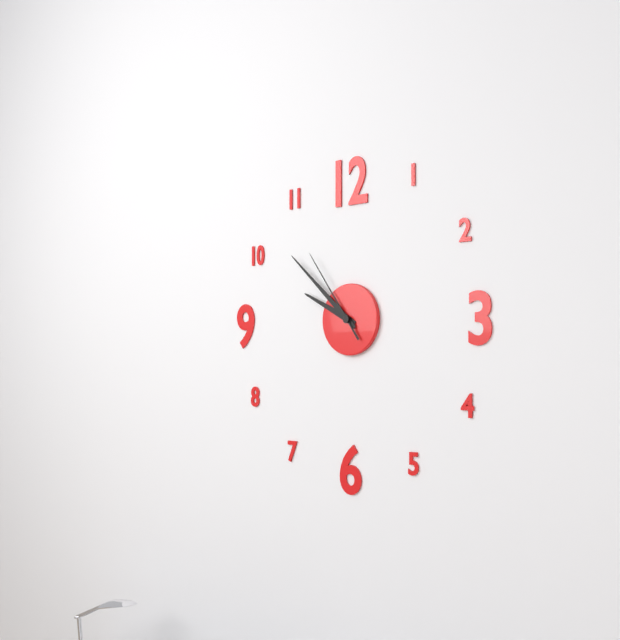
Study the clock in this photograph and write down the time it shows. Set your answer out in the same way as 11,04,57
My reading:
9,52,54
